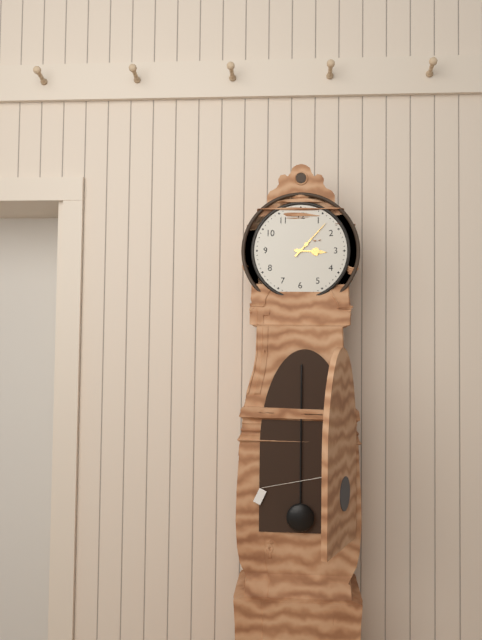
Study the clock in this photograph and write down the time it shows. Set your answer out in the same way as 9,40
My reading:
3,07
